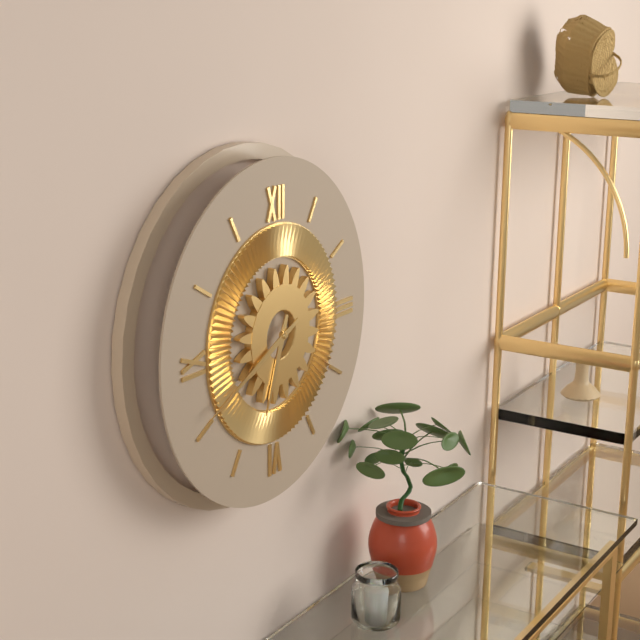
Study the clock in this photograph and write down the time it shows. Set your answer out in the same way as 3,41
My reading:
6,41
